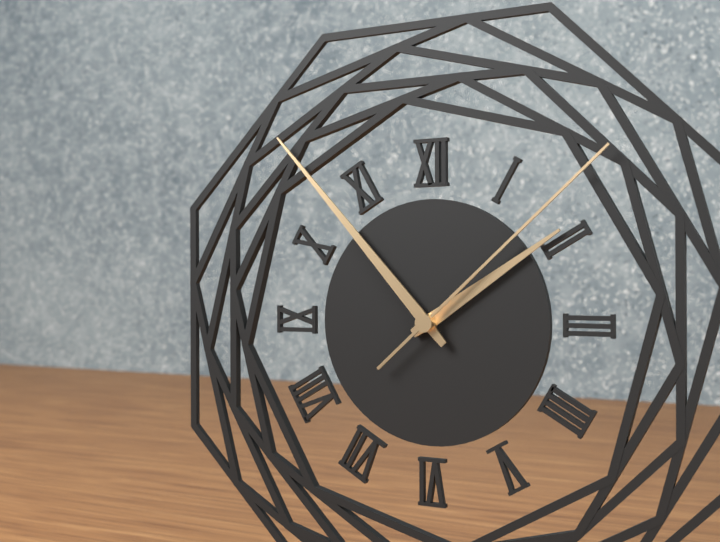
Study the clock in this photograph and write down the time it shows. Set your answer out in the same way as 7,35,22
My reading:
1,53,08
